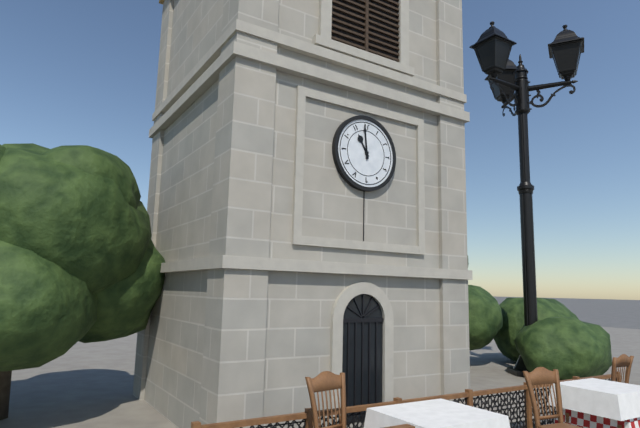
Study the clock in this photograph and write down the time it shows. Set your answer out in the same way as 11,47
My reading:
10,59
